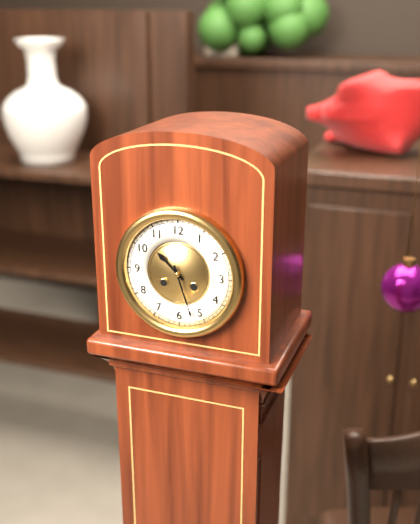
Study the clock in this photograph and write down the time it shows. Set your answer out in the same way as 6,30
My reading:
10,27
